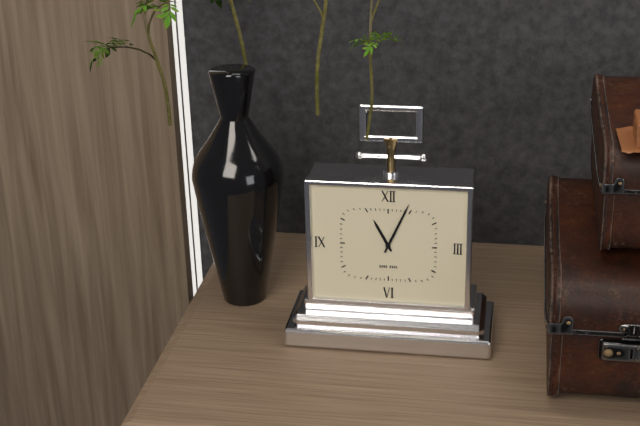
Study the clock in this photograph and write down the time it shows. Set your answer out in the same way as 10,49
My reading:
11,04
